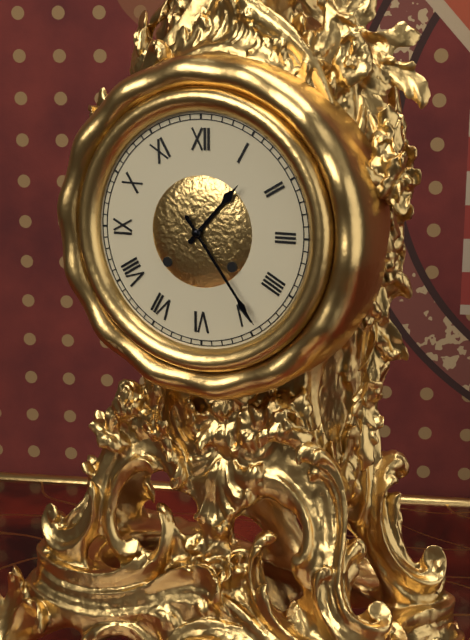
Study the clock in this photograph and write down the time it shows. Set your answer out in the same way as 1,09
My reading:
1,24
